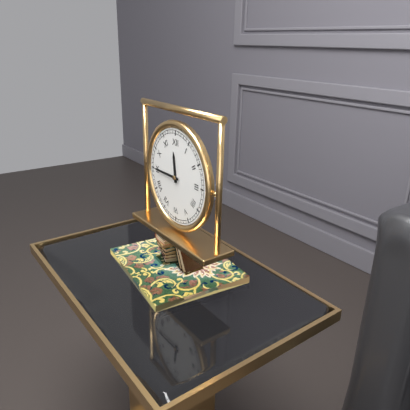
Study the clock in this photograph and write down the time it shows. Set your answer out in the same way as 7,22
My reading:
11,45
